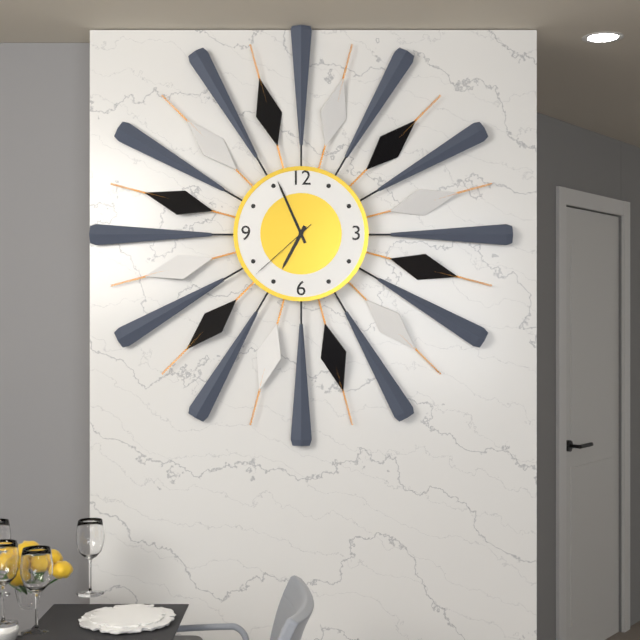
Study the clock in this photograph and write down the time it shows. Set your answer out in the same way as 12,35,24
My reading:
6,56,38
